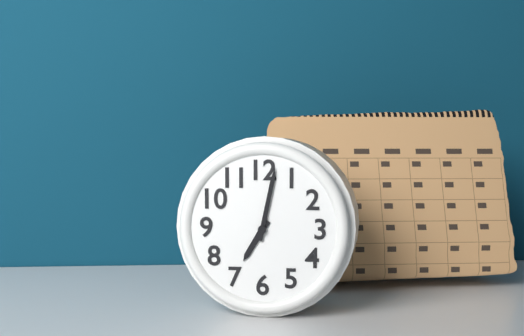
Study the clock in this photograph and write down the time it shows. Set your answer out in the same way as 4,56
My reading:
7,02
